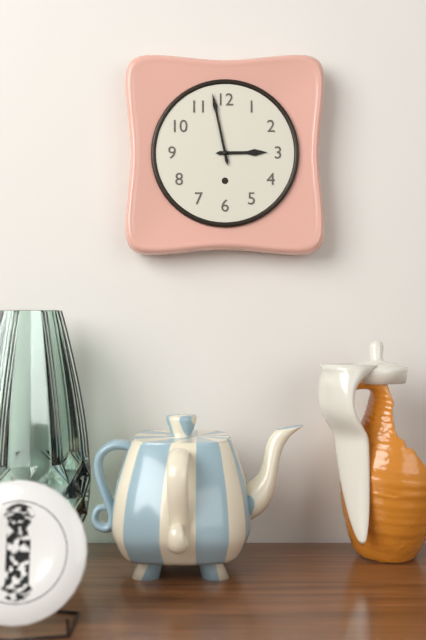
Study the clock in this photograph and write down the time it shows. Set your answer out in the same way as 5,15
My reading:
2,58
